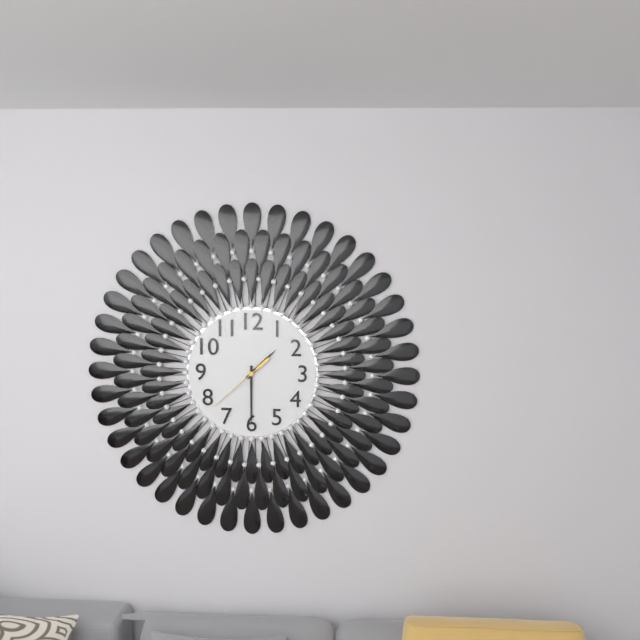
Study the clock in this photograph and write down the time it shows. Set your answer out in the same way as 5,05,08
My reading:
1,30,38
